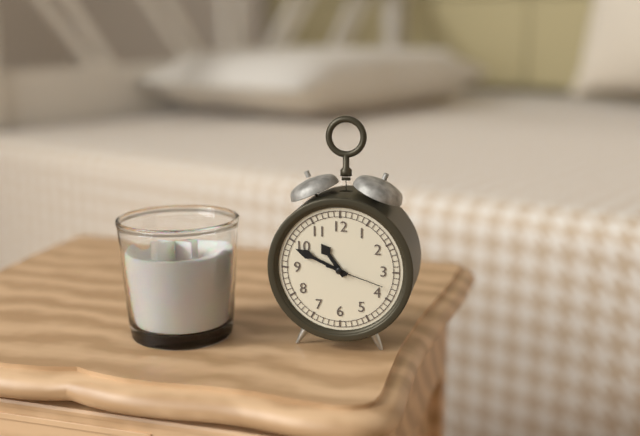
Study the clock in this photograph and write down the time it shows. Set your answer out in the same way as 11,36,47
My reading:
10,49,18
